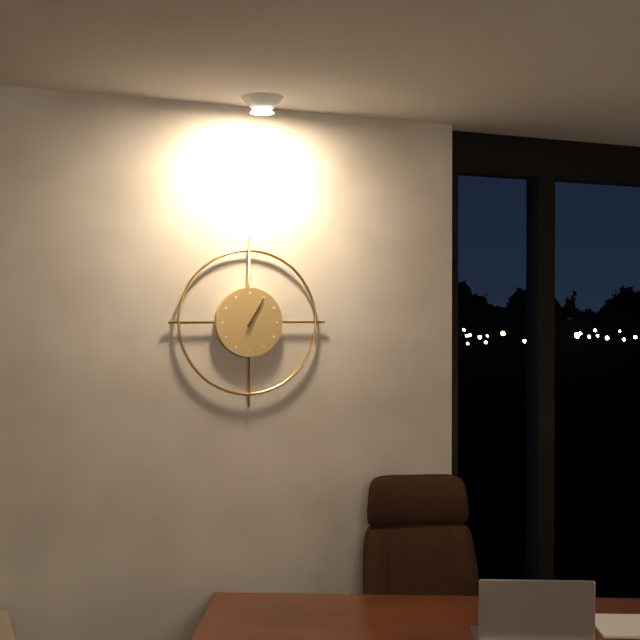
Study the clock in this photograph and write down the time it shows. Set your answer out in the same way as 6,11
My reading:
1,05
